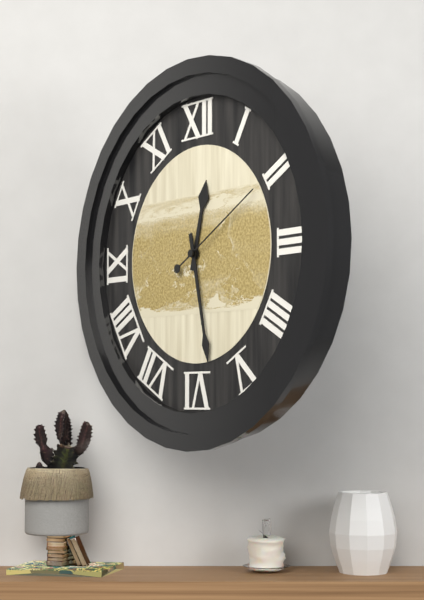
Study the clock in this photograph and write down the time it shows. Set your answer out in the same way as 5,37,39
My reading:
12,28,10
